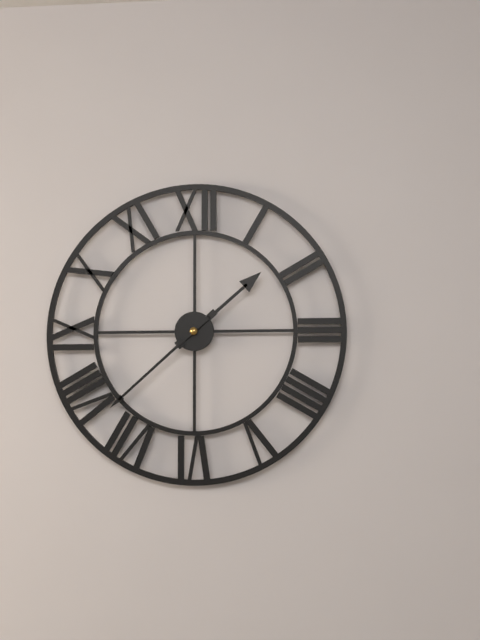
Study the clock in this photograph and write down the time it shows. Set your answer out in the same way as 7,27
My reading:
1,38
